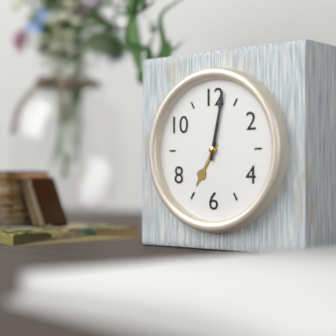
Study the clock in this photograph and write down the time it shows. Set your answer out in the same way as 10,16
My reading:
7,02
